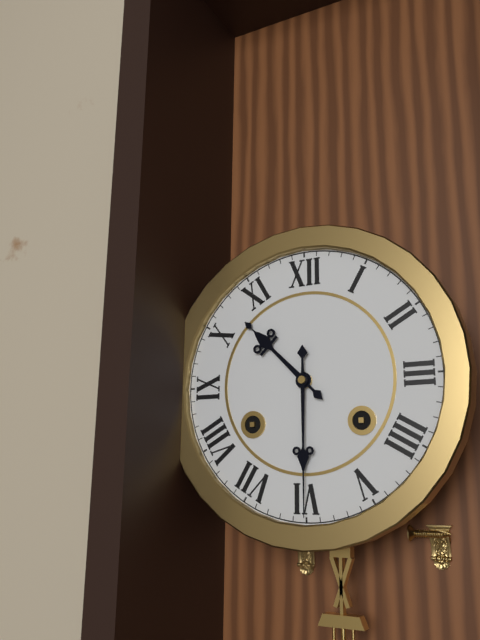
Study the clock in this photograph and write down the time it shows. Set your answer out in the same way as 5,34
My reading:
10,30
